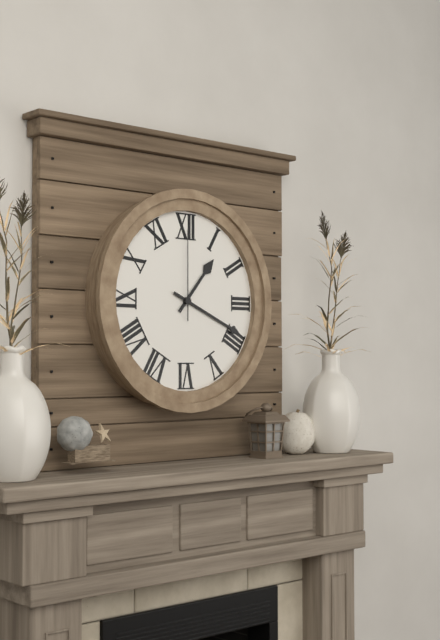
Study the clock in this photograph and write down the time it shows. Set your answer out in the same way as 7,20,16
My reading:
1,19,00
